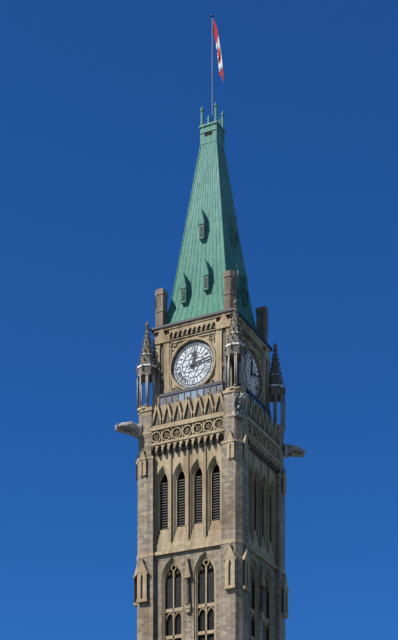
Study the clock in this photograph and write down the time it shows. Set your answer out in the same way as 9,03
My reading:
12,13
